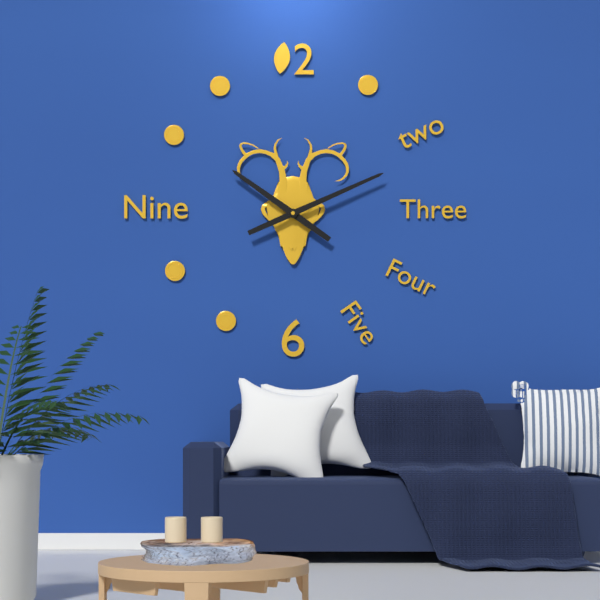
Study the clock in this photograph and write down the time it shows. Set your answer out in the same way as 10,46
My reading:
10,11
